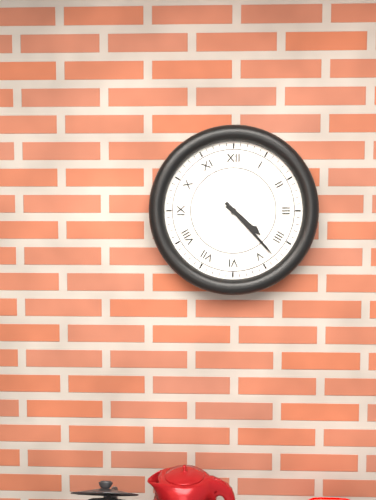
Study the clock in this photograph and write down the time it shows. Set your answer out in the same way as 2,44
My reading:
4,23
